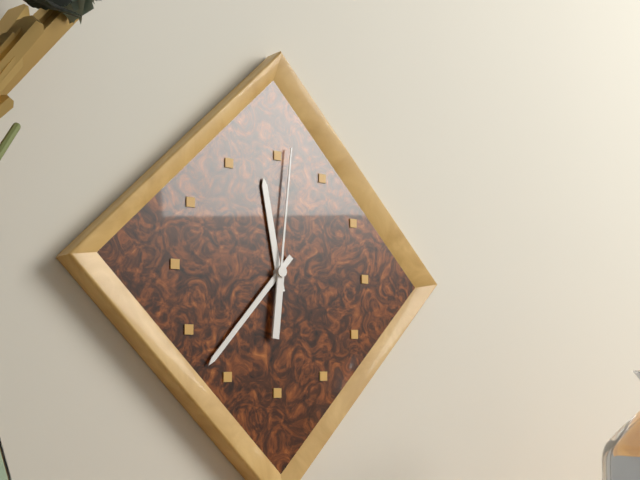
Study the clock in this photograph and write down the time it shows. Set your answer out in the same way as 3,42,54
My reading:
11,37,01
